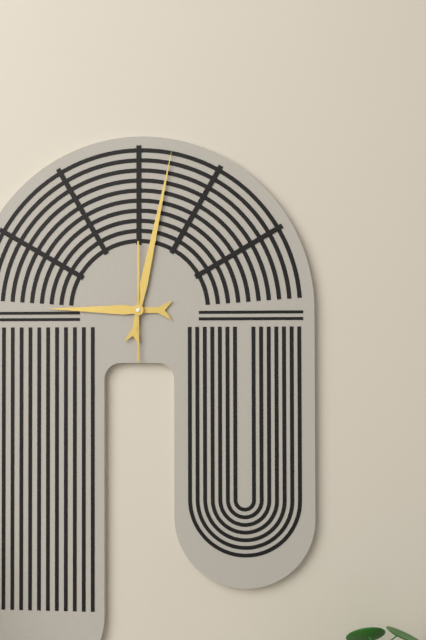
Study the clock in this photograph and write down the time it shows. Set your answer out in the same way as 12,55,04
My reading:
9,02,00
